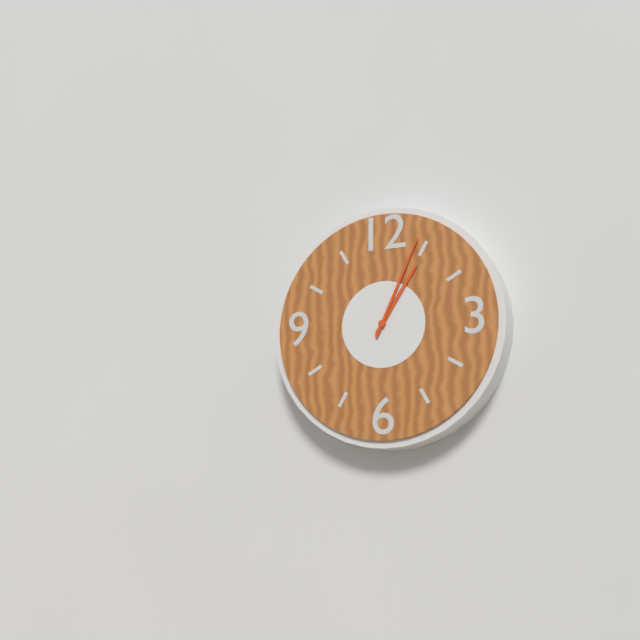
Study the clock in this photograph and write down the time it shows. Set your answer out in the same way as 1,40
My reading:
1,04
